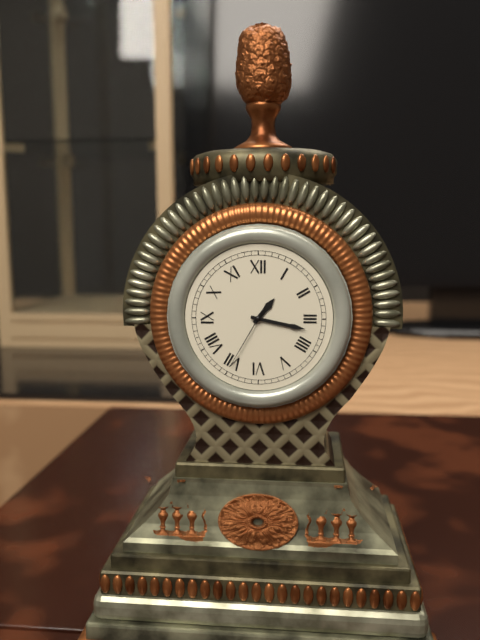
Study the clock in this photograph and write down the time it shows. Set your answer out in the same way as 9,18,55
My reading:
1,17,35
